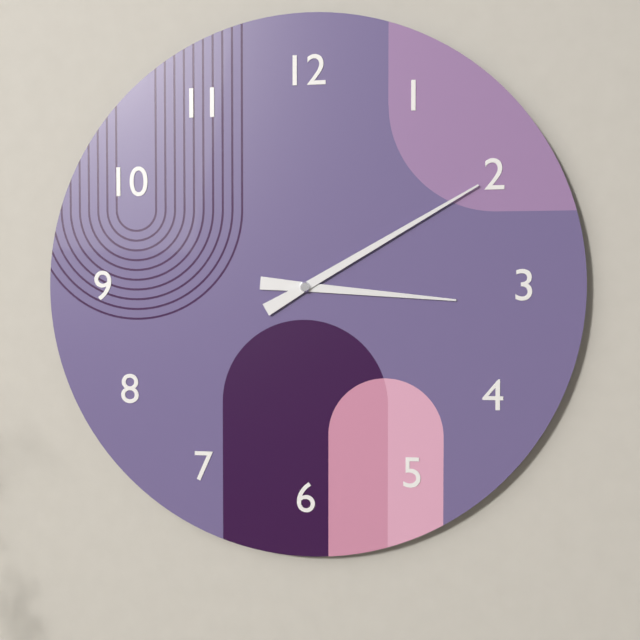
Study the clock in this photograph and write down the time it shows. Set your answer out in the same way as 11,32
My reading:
3,10
